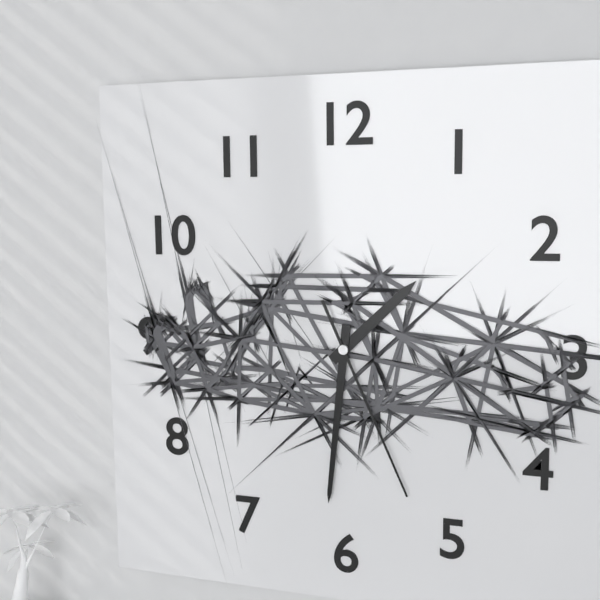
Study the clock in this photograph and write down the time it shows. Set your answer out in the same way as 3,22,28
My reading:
1,31,26
